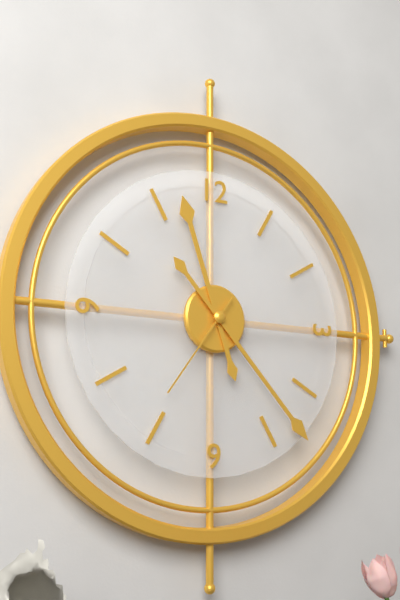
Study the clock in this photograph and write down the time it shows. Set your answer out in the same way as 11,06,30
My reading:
11,23,36
